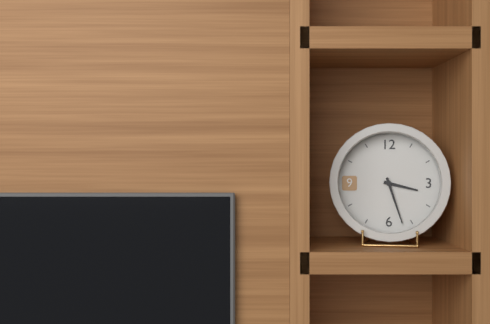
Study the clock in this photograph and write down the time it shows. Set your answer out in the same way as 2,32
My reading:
3,27
